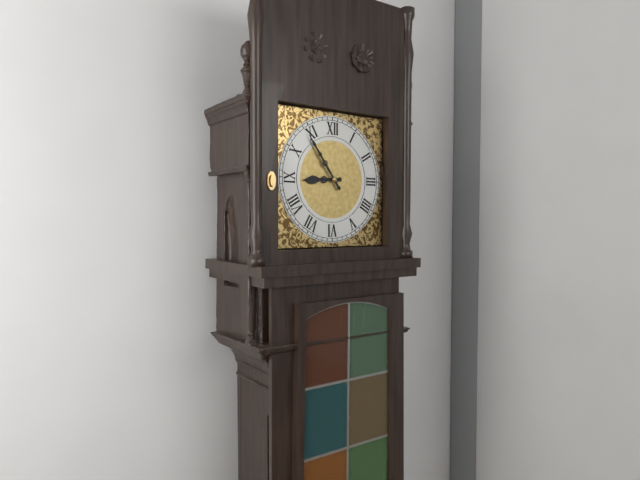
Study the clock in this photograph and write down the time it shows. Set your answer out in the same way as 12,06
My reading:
8,54
